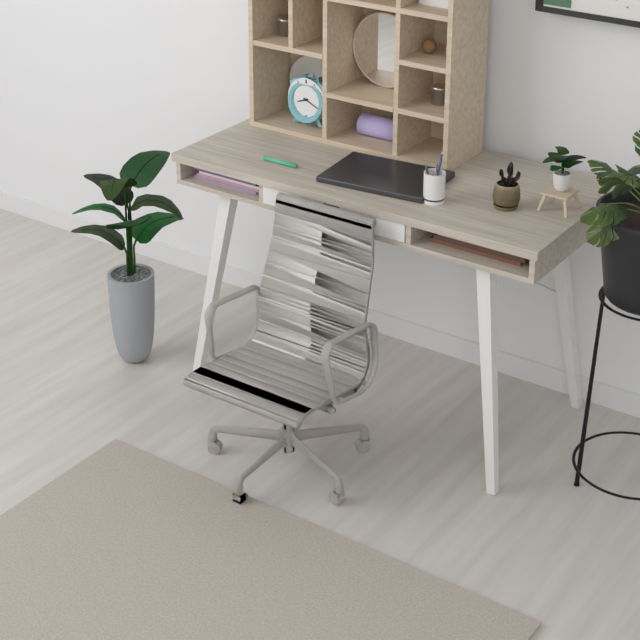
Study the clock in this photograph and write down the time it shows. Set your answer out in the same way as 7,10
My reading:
8,19
